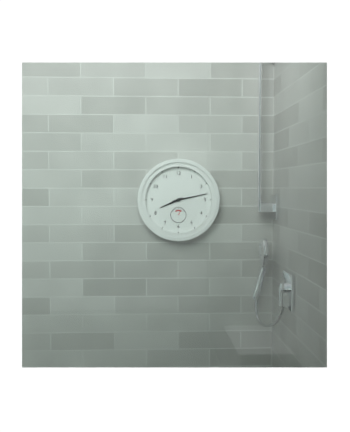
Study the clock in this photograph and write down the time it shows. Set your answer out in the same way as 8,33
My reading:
8,13
